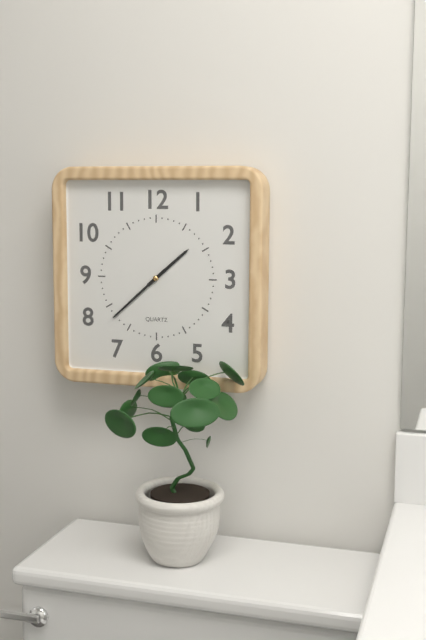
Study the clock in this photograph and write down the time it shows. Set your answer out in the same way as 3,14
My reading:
1,38
